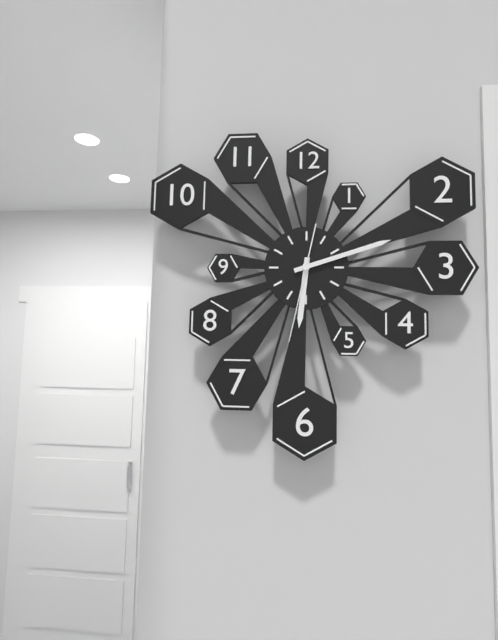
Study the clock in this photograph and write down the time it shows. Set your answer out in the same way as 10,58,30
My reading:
6,12,32
